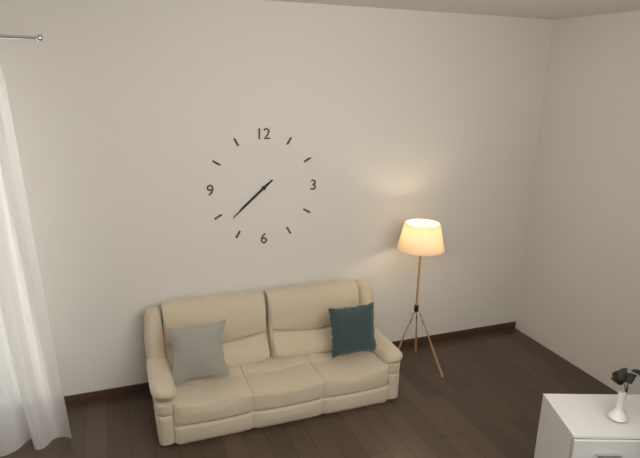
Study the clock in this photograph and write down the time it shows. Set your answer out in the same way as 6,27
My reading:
7,38
